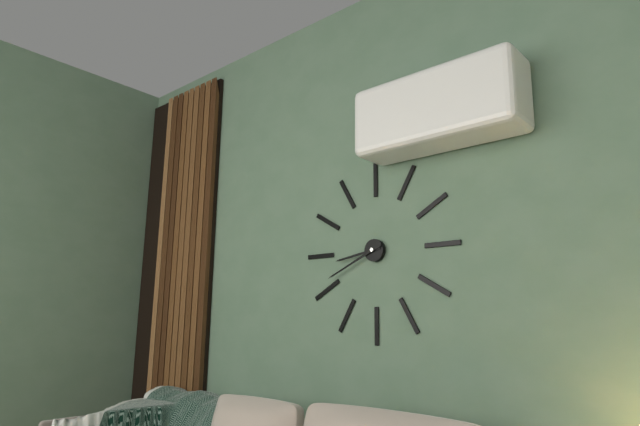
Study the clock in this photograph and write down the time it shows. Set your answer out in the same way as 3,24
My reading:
8,41
